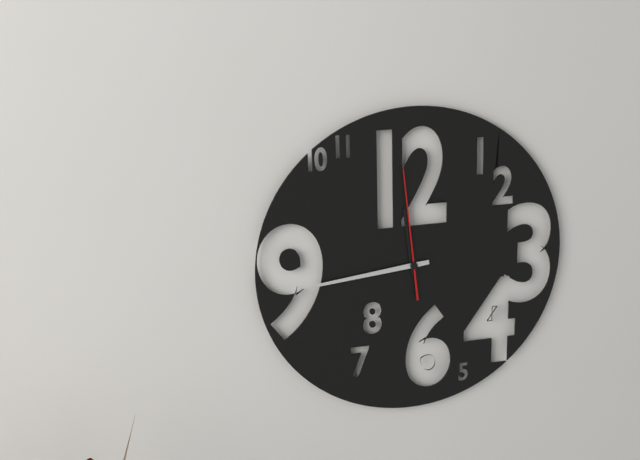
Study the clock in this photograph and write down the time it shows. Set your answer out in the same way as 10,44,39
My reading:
11,44,59
